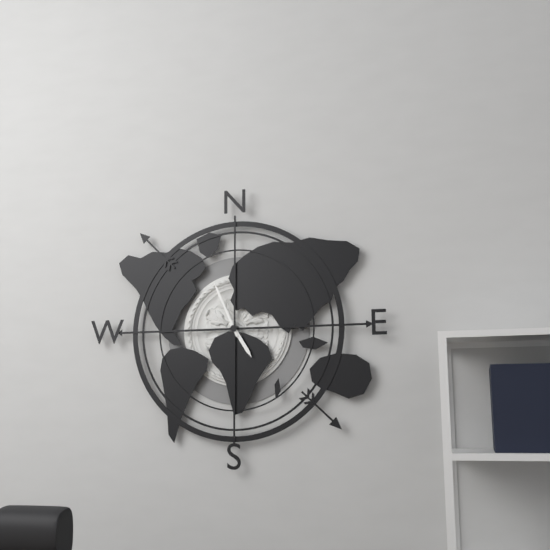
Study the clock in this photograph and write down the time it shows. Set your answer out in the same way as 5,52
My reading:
4,56
